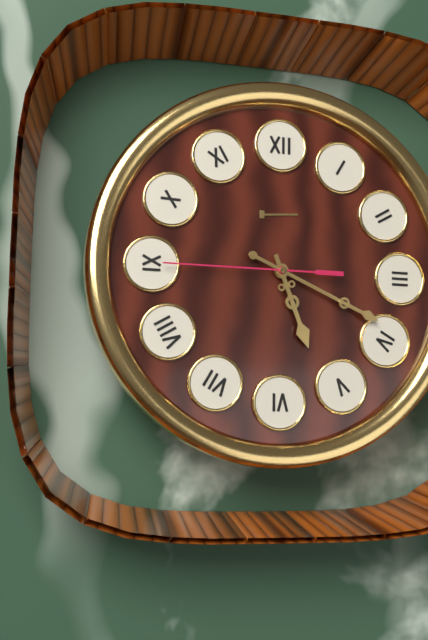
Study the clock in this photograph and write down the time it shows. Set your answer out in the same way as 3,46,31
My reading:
5,19,45
